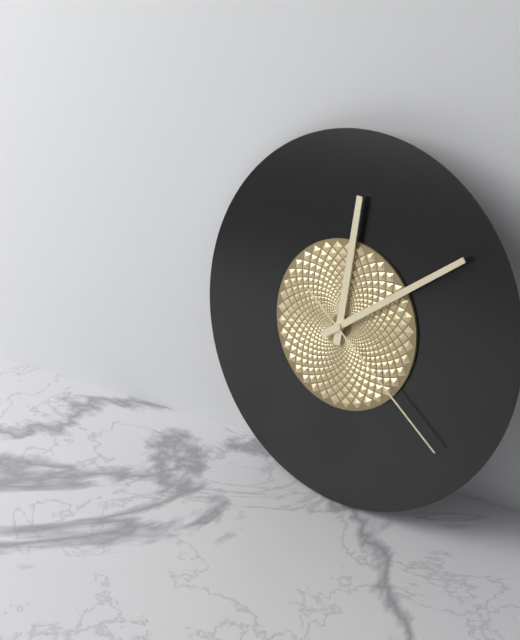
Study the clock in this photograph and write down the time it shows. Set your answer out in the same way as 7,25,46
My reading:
12,09,21
